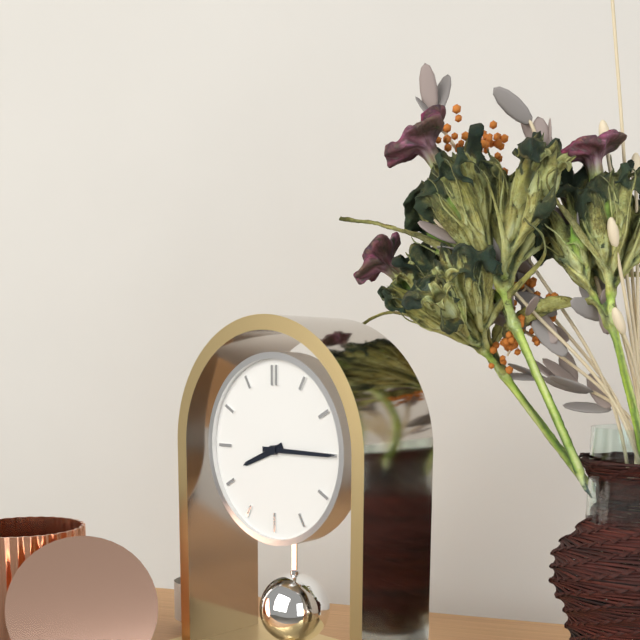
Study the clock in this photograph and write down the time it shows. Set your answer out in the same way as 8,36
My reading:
8,15
